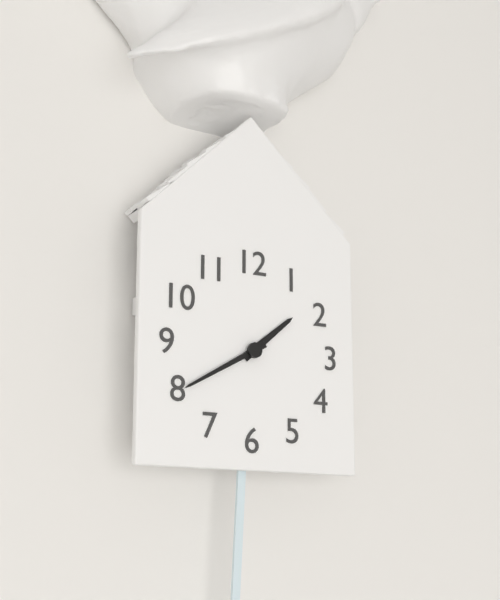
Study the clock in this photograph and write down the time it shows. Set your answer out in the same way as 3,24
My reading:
1,40
